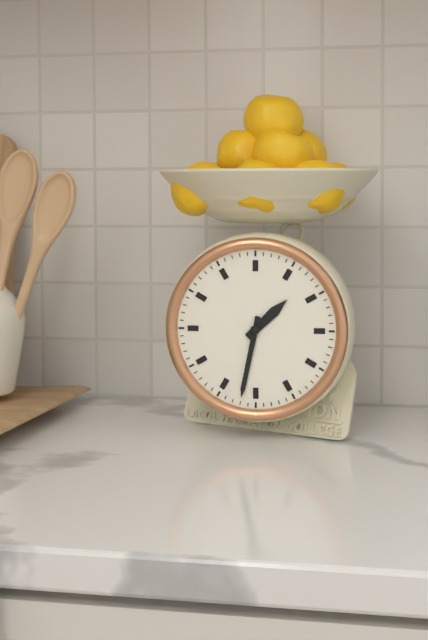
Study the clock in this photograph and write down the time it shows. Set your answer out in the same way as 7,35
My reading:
1,32
